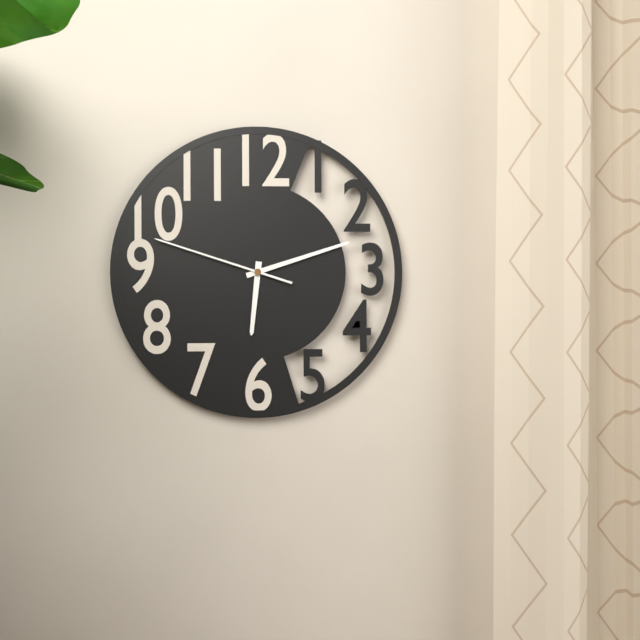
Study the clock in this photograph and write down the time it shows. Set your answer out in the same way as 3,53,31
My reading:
6,12,48
